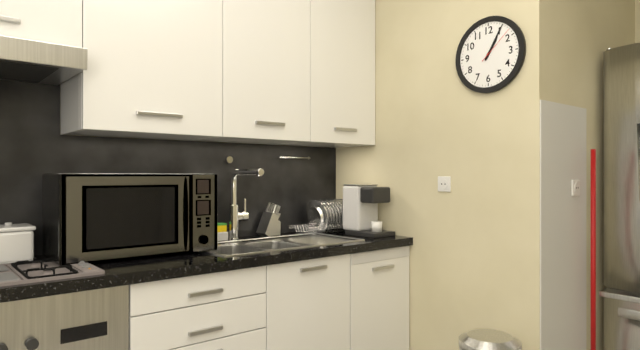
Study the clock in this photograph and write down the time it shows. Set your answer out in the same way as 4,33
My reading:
1,05
